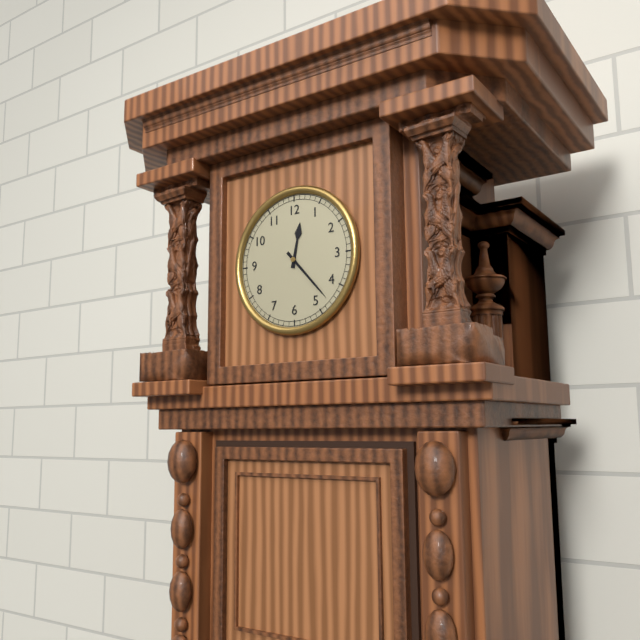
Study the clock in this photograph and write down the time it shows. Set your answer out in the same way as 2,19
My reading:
12,23
